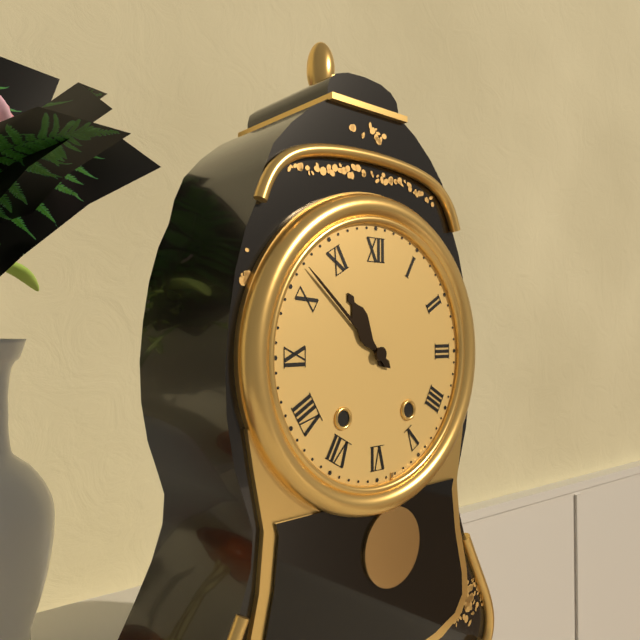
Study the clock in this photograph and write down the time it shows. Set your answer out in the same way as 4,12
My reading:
10,52
